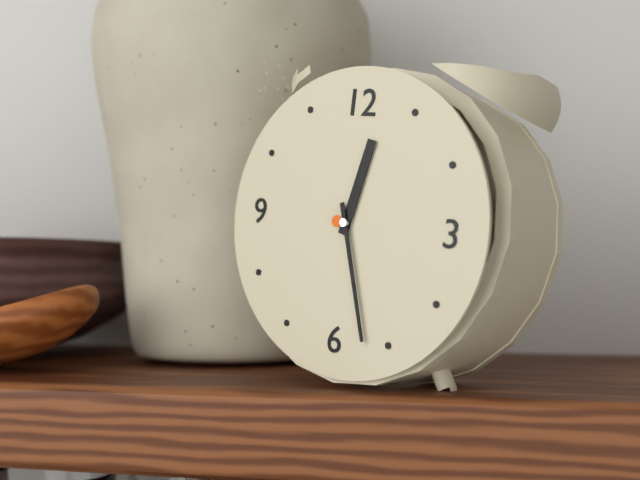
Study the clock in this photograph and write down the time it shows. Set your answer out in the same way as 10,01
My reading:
12,27
